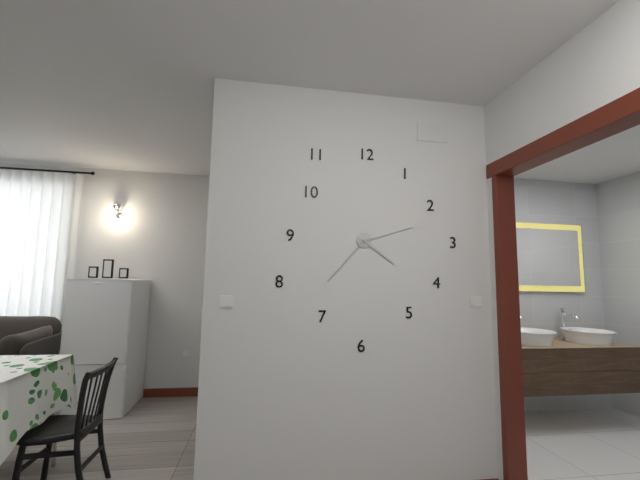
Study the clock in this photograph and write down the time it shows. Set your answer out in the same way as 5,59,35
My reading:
4,12,37
